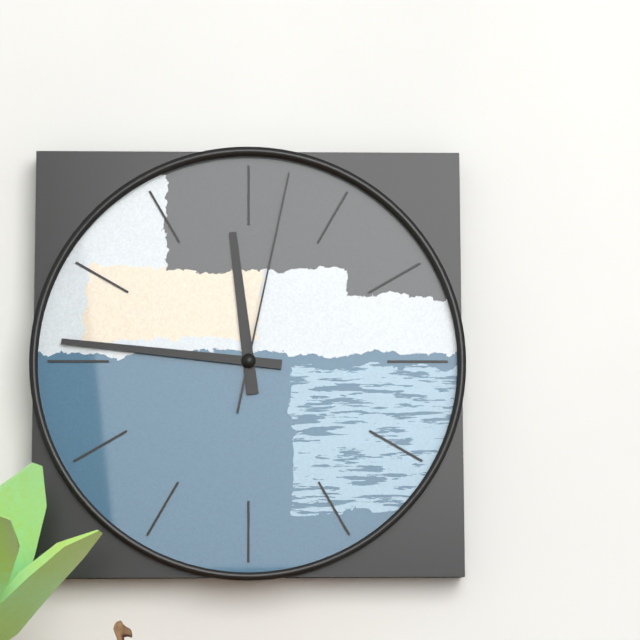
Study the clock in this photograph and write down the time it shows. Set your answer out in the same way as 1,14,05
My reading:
11,46,02
